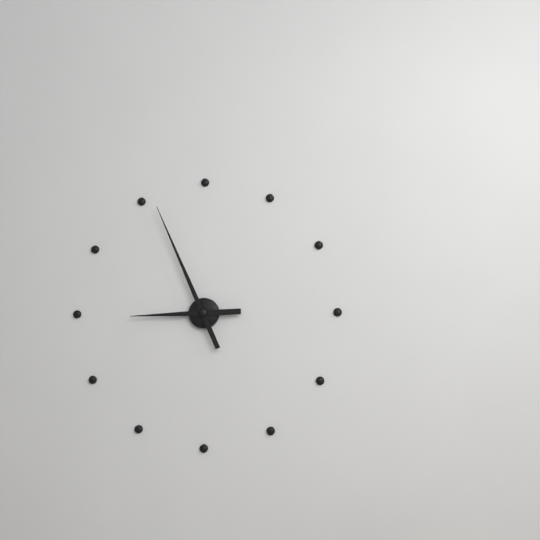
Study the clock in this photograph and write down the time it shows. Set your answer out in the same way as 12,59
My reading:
8,56
